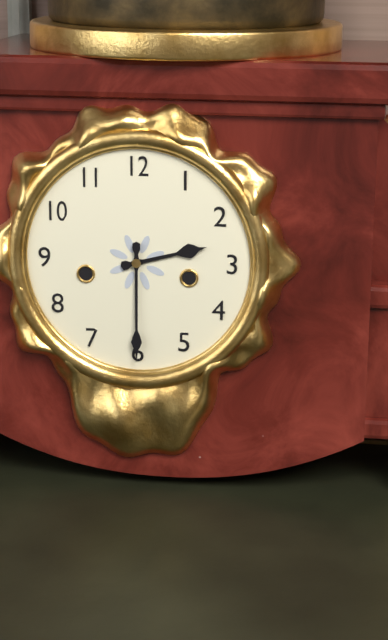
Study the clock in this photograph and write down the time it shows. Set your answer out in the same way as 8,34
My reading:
2,30
